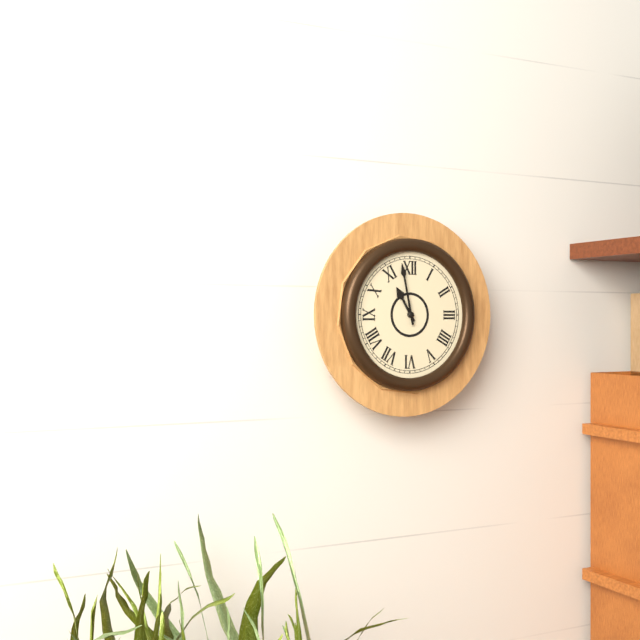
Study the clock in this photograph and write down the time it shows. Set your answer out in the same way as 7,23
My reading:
10,58
